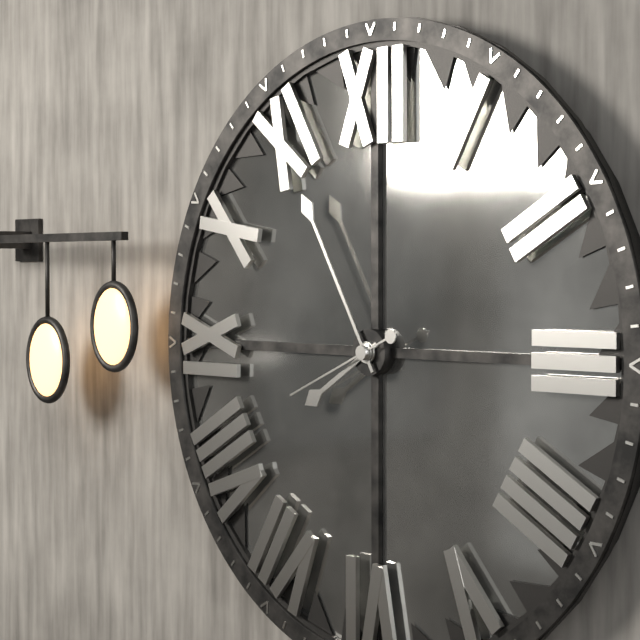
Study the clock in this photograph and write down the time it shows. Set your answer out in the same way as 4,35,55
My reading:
7,55,41
